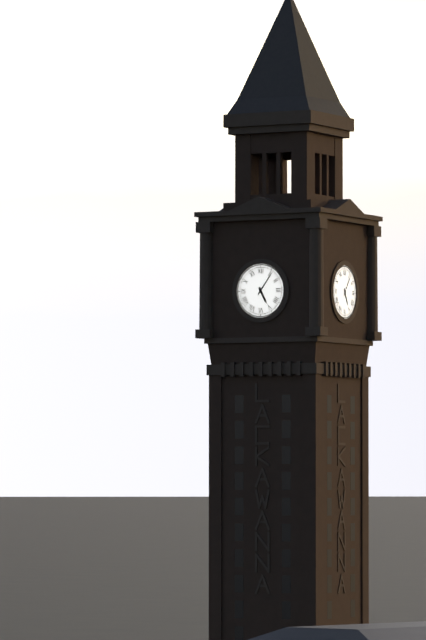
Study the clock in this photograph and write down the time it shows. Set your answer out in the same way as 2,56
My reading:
5,06
